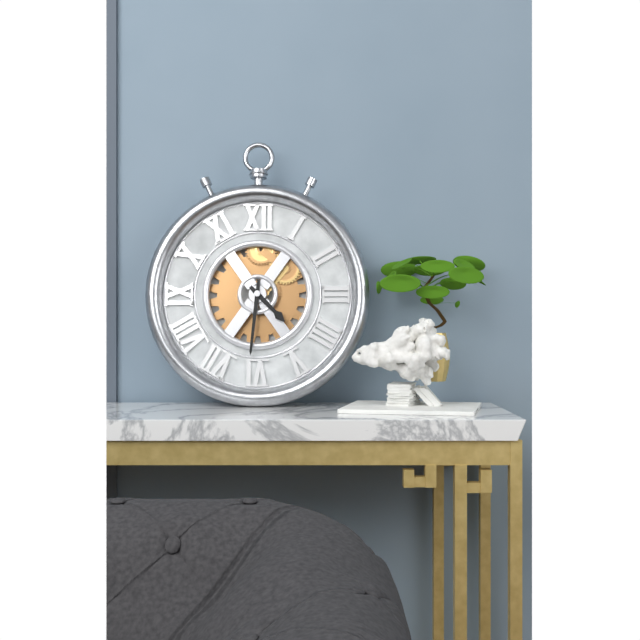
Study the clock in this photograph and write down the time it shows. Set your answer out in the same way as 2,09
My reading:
4,31
